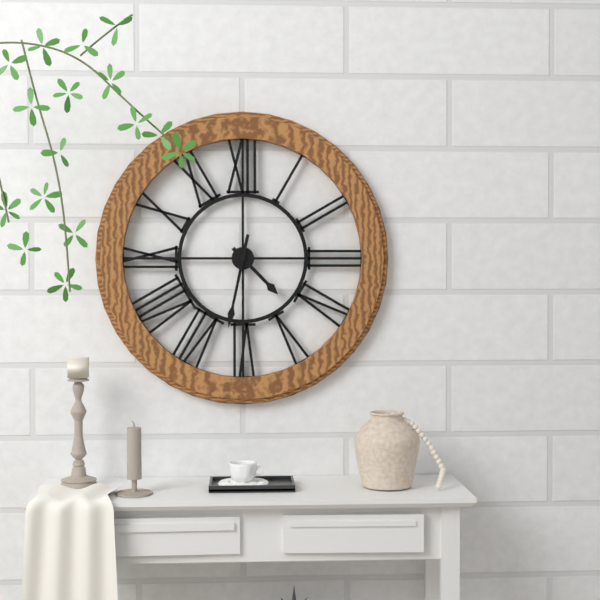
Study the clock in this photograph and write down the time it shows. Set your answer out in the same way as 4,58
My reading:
4,32
